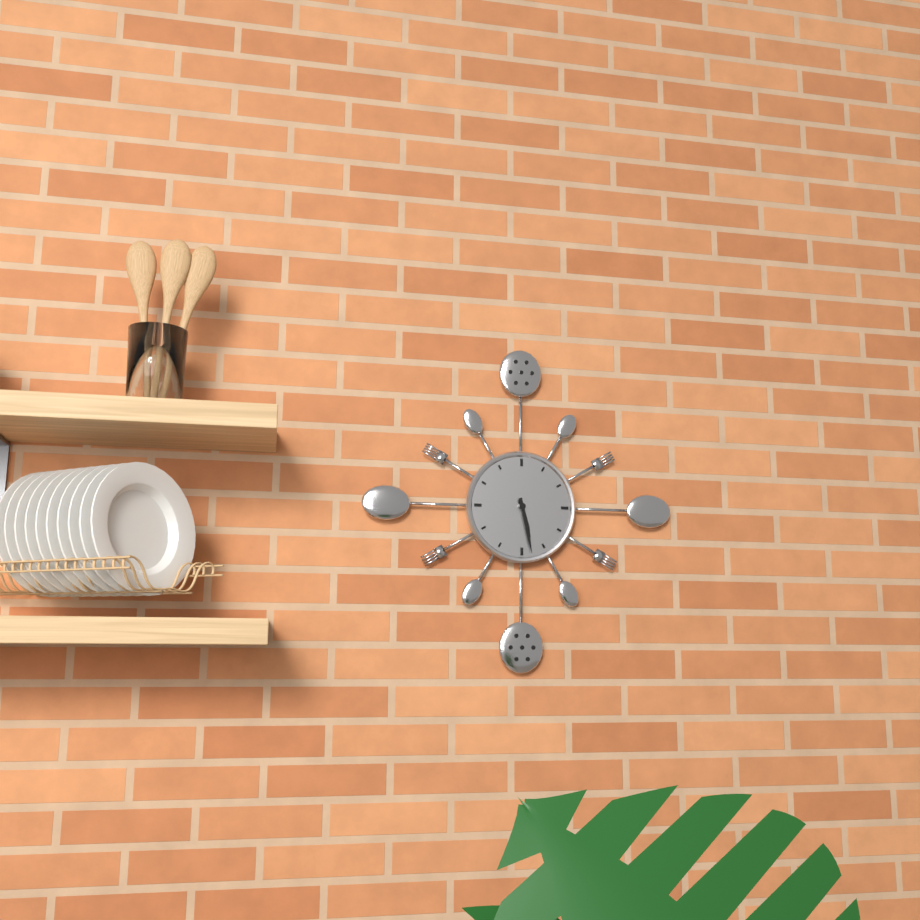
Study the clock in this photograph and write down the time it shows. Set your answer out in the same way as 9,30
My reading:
5,28
